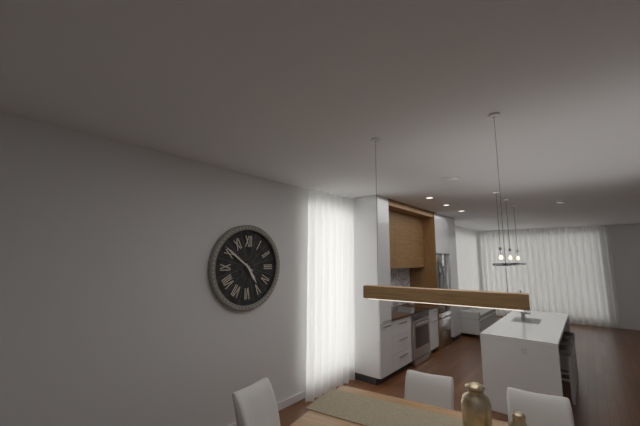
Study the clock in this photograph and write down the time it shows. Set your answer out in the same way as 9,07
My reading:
4,51
